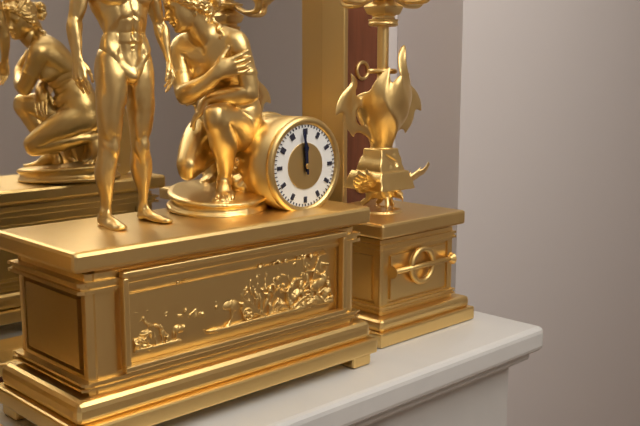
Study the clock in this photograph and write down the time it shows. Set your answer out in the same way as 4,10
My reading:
11,59
